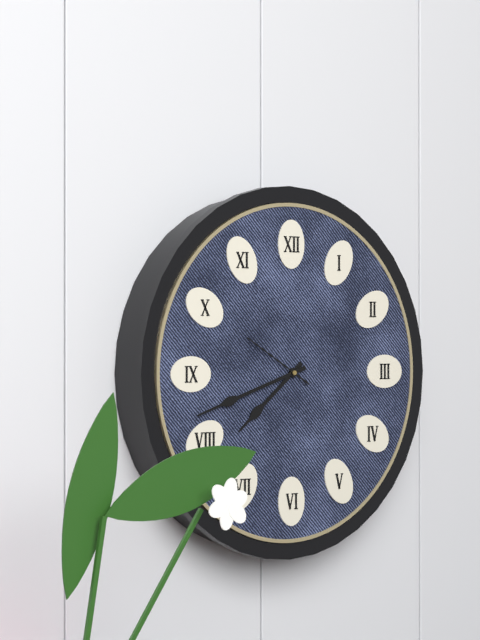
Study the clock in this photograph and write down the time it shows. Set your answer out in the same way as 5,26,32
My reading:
7,42,50
